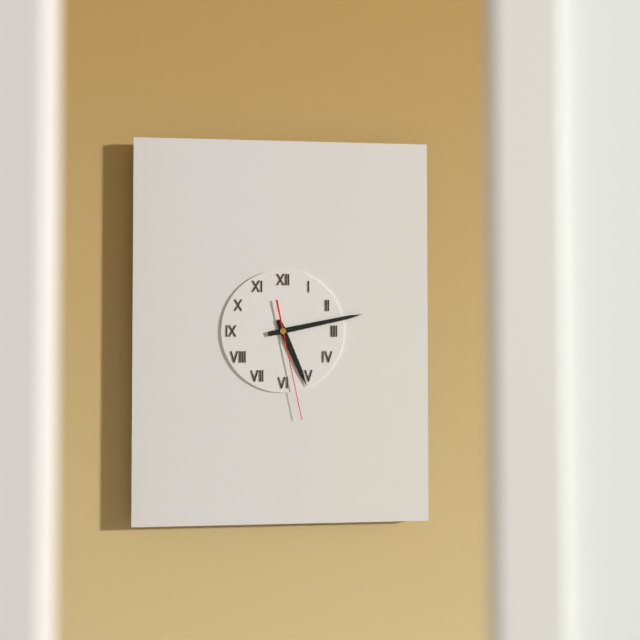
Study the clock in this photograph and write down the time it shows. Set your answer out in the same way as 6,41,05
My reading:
5,13,28
